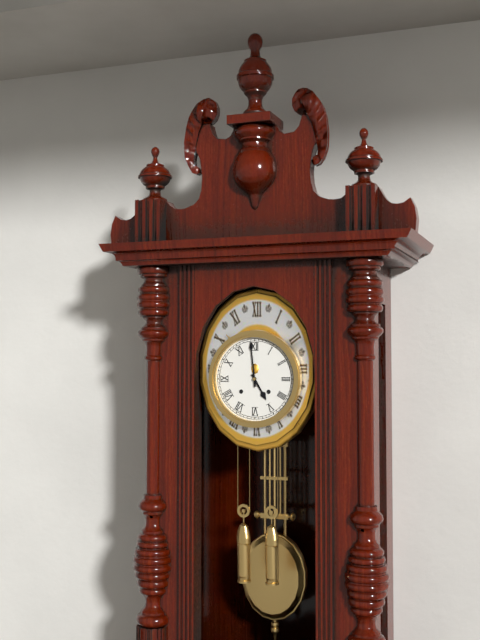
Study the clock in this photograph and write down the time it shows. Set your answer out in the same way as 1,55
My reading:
4,59
